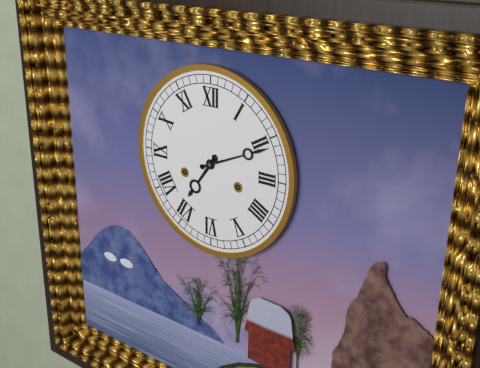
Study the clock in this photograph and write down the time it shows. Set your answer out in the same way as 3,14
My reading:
7,11
